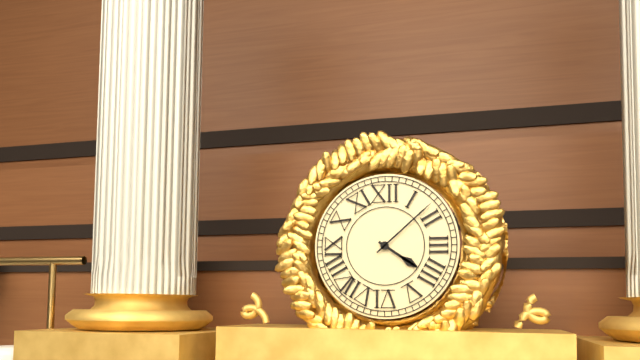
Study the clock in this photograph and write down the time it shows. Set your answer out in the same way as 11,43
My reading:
4,08
